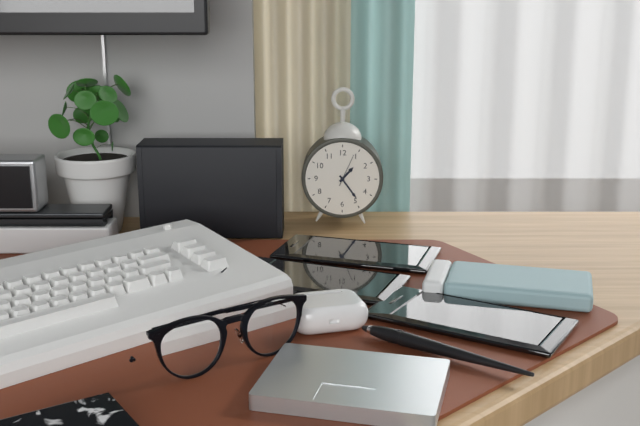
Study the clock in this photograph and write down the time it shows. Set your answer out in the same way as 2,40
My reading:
1,24
